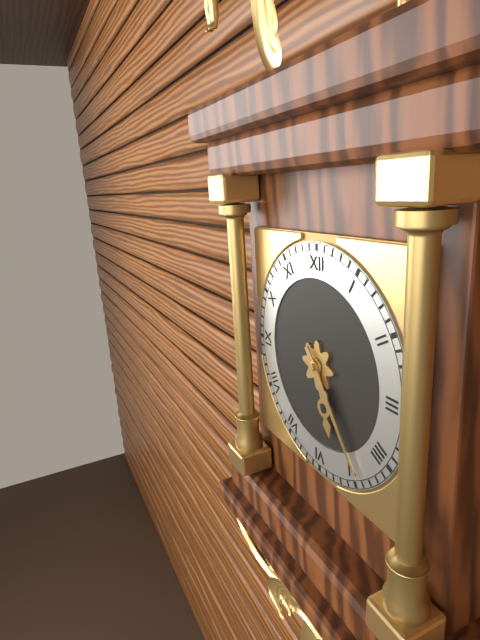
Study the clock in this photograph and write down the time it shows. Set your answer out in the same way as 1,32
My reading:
5,24
